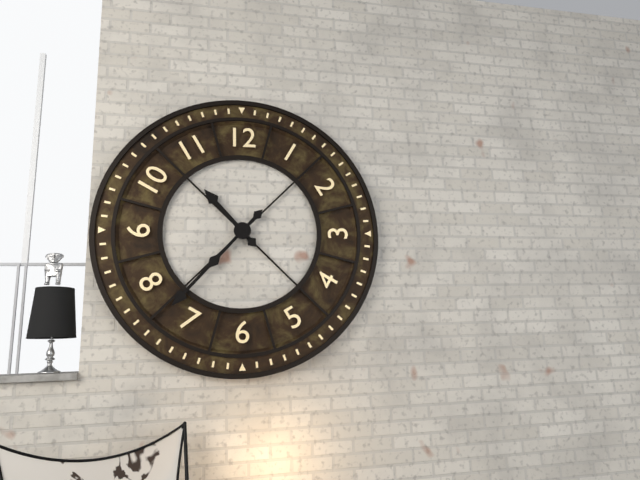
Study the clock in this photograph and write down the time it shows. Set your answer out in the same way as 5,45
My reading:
10,37
